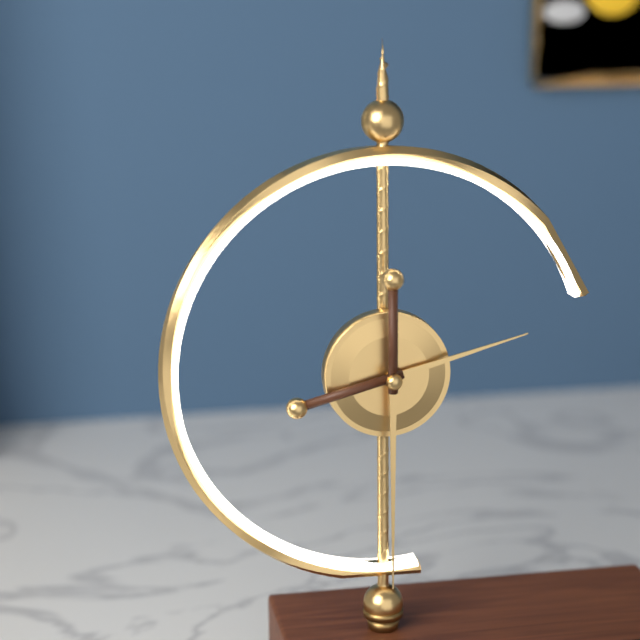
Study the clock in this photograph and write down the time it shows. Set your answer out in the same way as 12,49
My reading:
2,30
